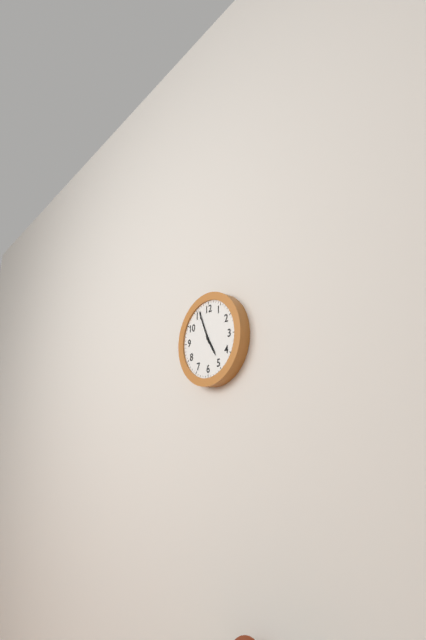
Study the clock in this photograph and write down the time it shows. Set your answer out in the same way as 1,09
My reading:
4,56
